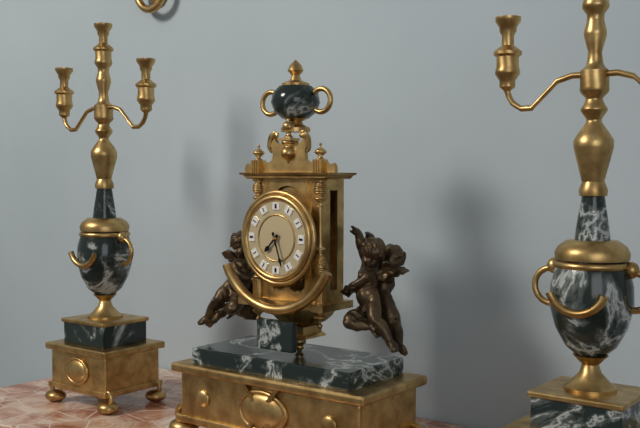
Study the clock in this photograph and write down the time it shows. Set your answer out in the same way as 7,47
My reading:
7,27
